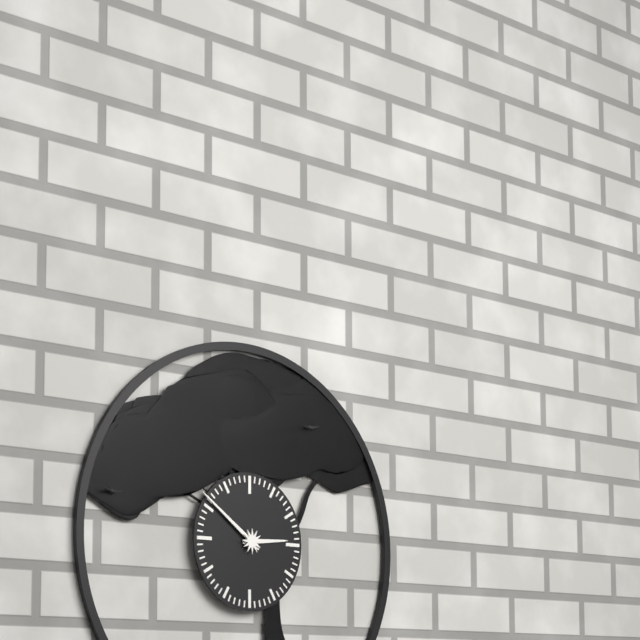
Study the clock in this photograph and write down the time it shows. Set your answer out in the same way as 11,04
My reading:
2,51
